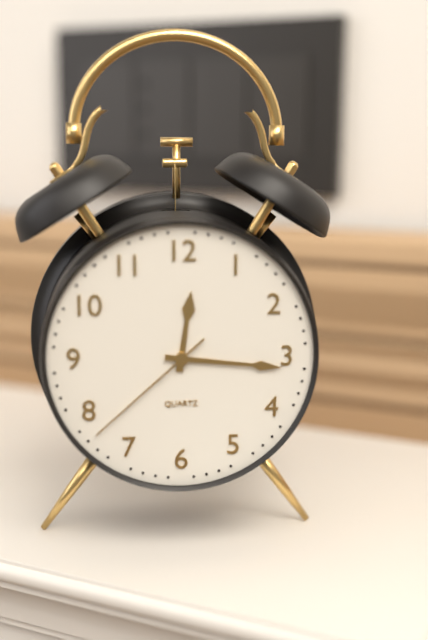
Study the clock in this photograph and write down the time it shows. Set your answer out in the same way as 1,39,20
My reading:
12,16,38
